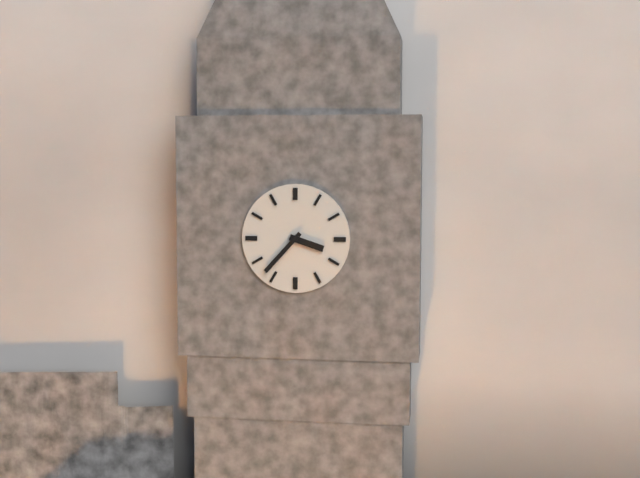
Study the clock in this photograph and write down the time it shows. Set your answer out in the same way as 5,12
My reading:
3,37
